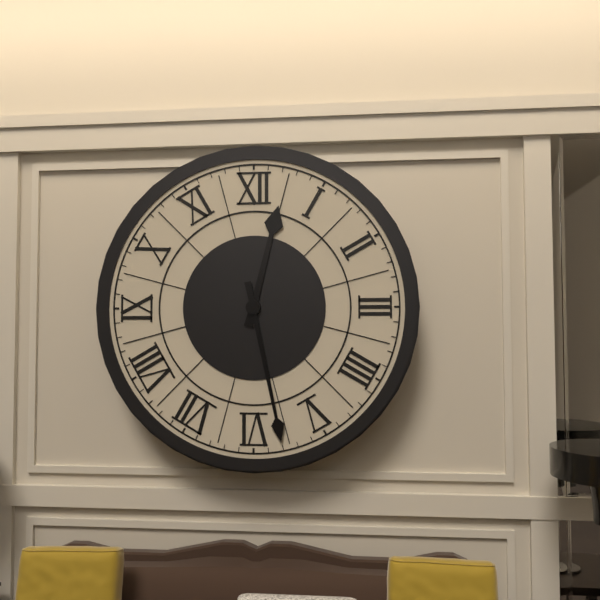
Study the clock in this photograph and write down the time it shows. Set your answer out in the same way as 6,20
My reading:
12,28
